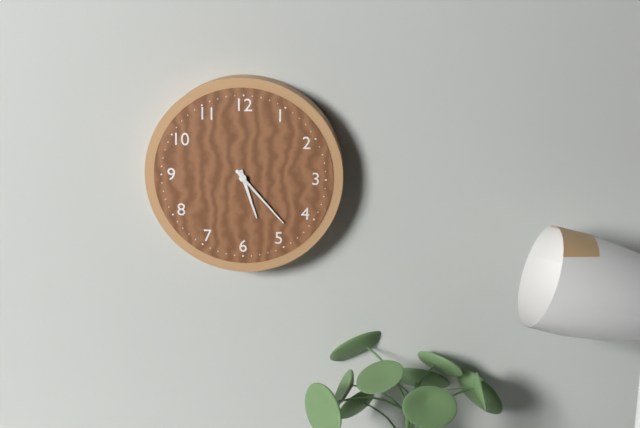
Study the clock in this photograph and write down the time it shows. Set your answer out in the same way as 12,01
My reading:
5,23
